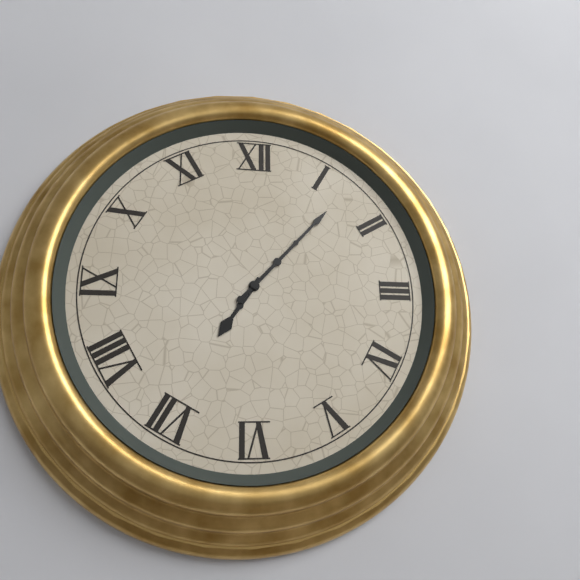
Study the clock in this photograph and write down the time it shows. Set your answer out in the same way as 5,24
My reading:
7,07
